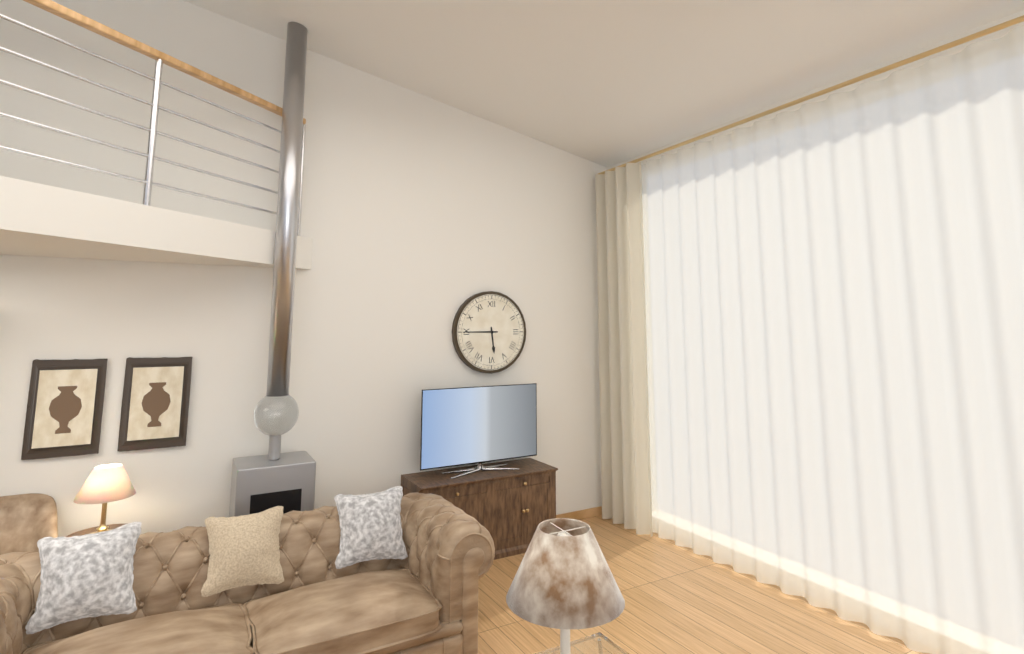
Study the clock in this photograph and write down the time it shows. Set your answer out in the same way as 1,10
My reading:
5,45
